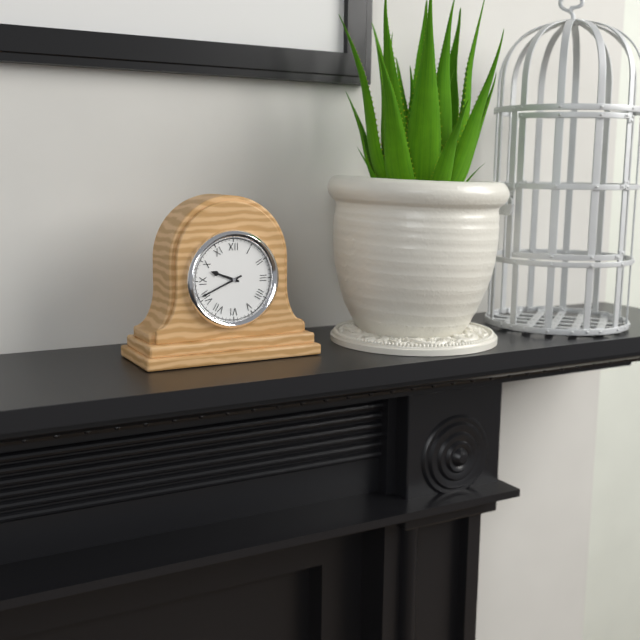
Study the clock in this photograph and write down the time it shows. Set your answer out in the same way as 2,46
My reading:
9,41
